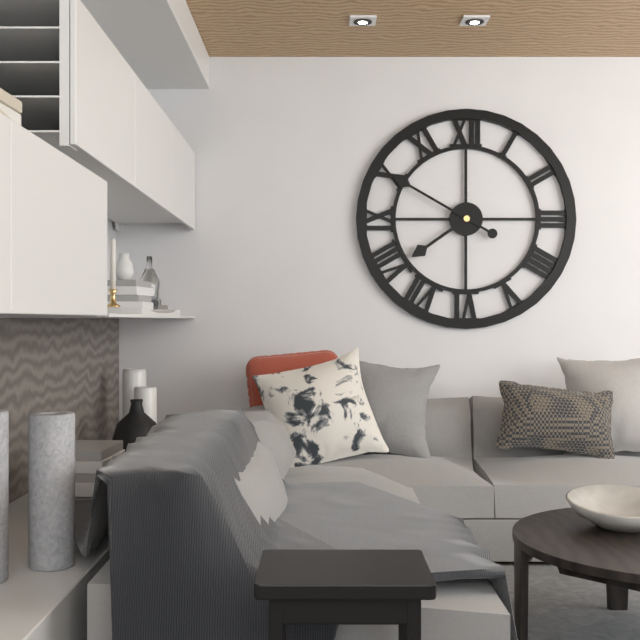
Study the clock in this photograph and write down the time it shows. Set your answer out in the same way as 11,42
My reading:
7,50
